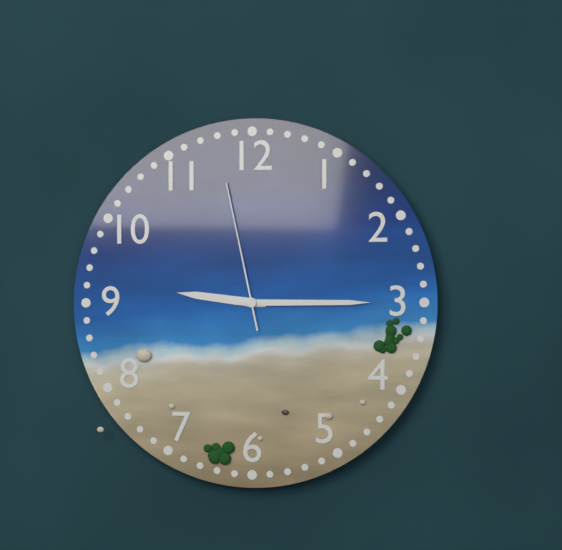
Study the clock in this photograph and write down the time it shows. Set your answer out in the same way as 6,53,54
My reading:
9,15,58
